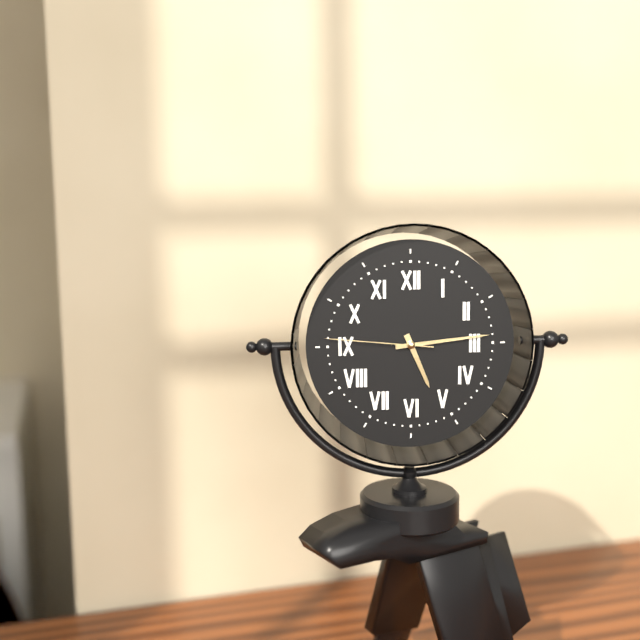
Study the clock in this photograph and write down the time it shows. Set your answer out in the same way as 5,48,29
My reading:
5,14,46
